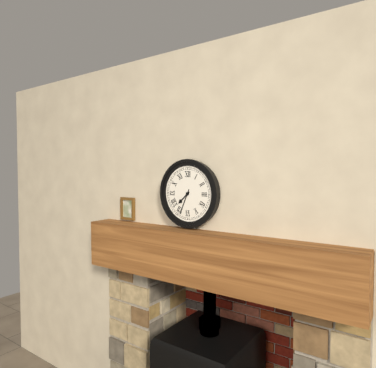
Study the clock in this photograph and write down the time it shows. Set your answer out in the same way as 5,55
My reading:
7,34
